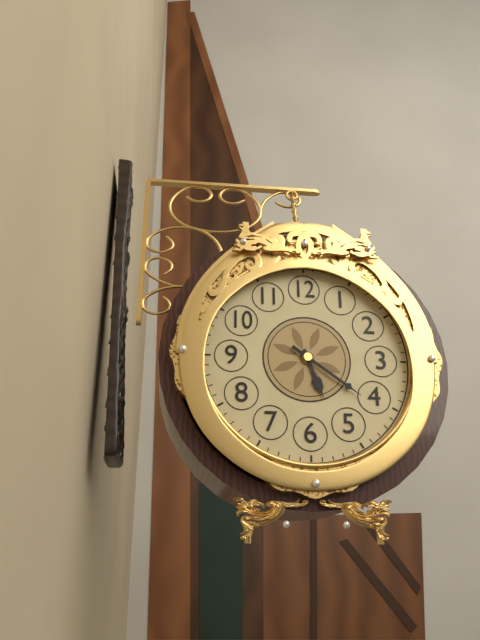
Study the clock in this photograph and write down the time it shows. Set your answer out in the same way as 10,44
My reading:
5,21
